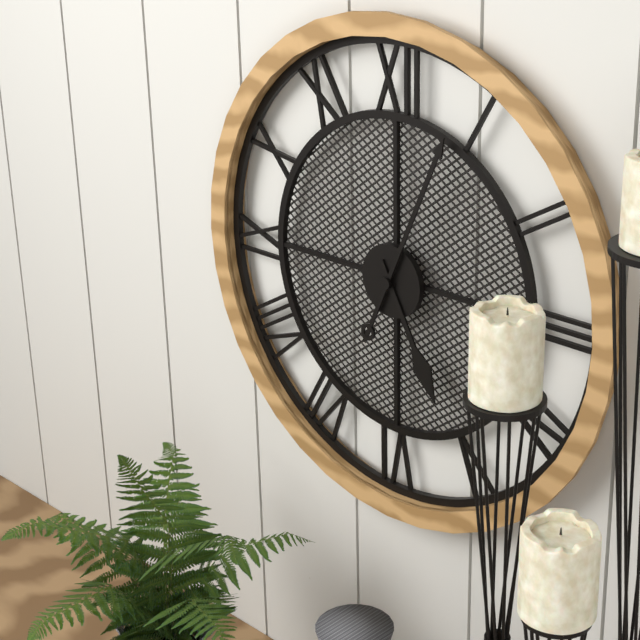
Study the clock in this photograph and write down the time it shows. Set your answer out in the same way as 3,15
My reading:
5,04
